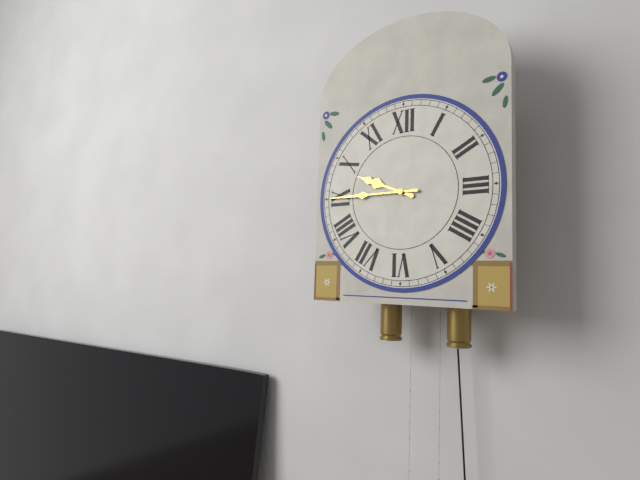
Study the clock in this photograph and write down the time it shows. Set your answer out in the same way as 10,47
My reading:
9,45
